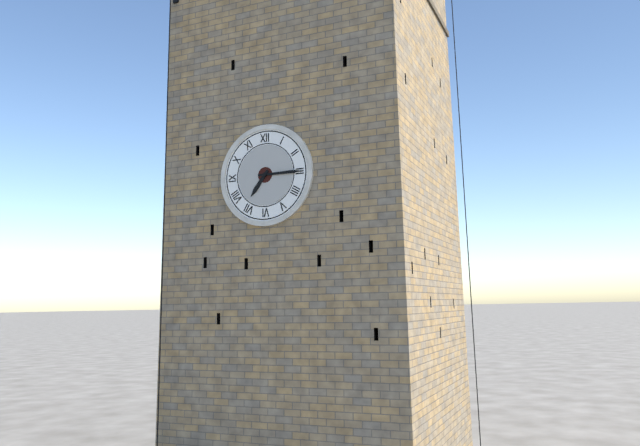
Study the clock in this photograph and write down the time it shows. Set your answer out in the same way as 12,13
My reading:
7,15
